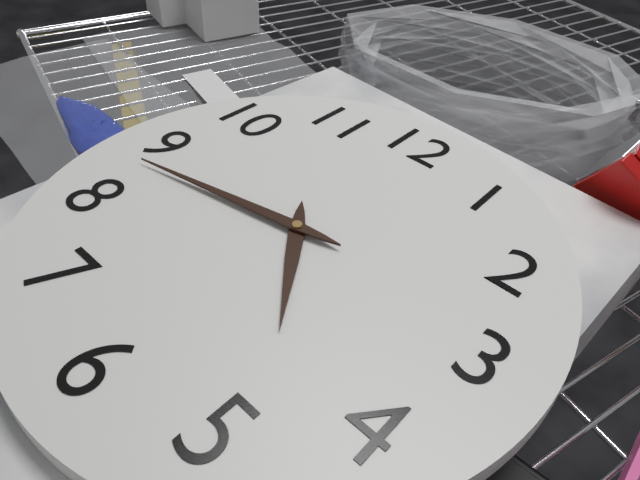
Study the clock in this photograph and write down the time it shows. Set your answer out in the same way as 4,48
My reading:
4,43
